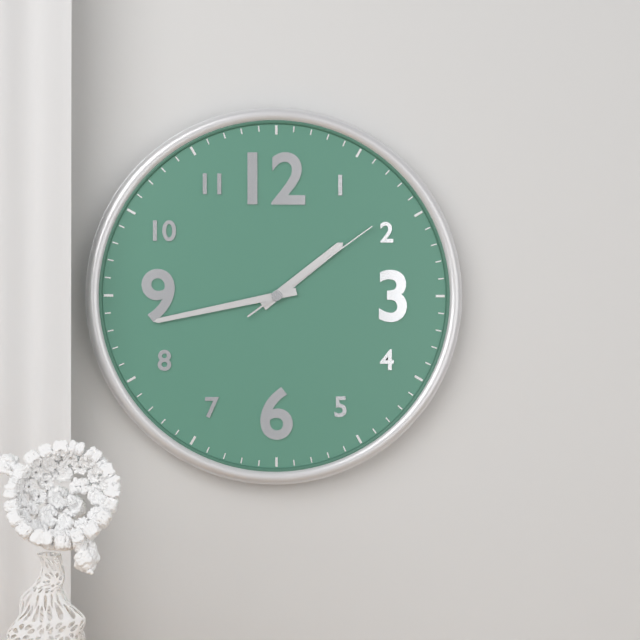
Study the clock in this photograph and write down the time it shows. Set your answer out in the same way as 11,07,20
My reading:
1,43,09
